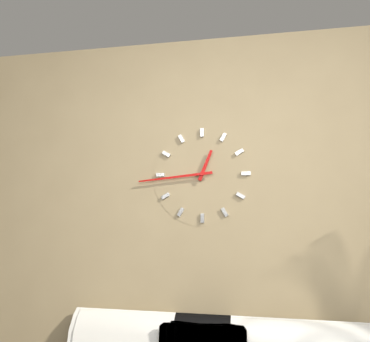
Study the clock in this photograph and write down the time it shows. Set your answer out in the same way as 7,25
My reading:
12,44
